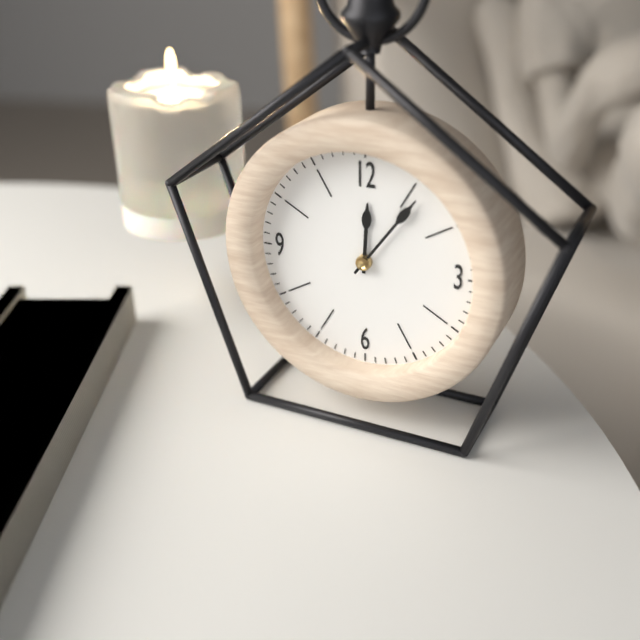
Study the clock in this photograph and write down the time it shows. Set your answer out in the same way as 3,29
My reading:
12,06
